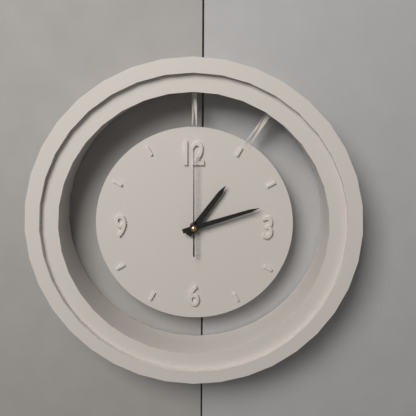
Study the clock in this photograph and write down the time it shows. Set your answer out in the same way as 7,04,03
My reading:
1,12,00
